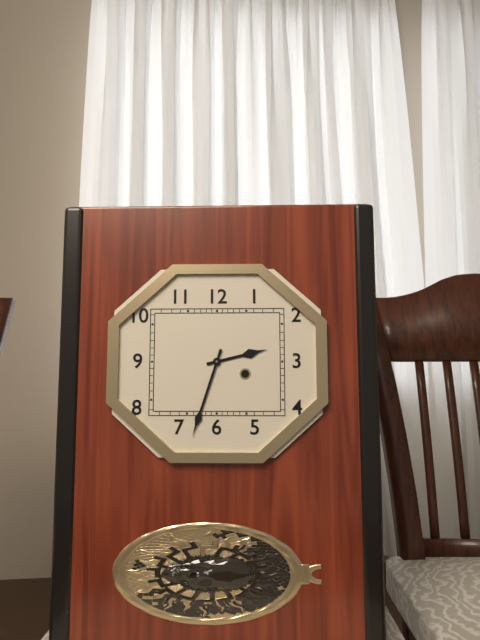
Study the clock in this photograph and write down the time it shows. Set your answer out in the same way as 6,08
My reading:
2,33
